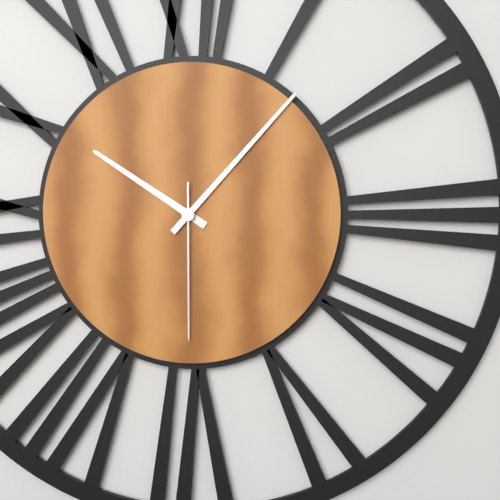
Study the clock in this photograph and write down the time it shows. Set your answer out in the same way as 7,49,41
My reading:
10,07,30
